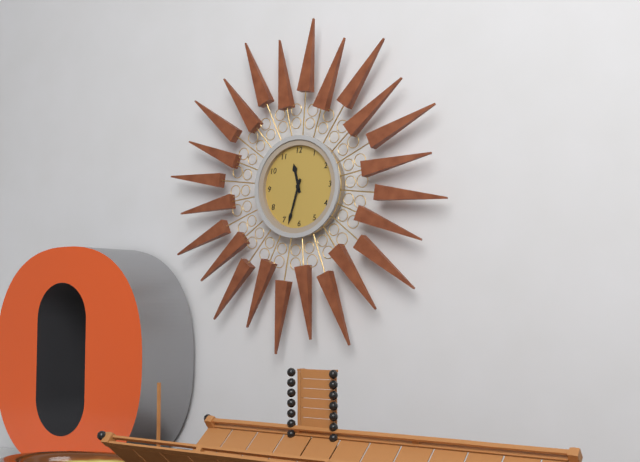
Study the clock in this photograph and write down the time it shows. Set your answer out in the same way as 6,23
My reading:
11,33
